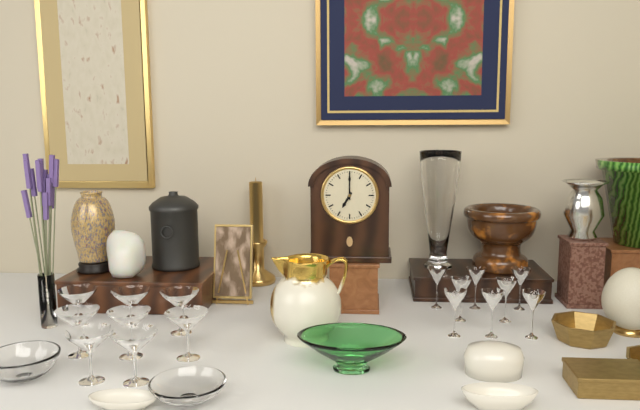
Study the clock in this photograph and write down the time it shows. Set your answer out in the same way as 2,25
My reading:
7,00
